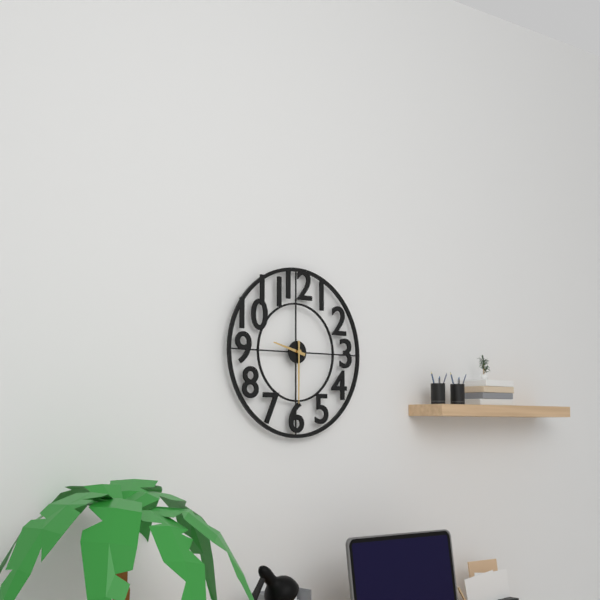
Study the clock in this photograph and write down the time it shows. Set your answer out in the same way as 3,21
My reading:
9,30
